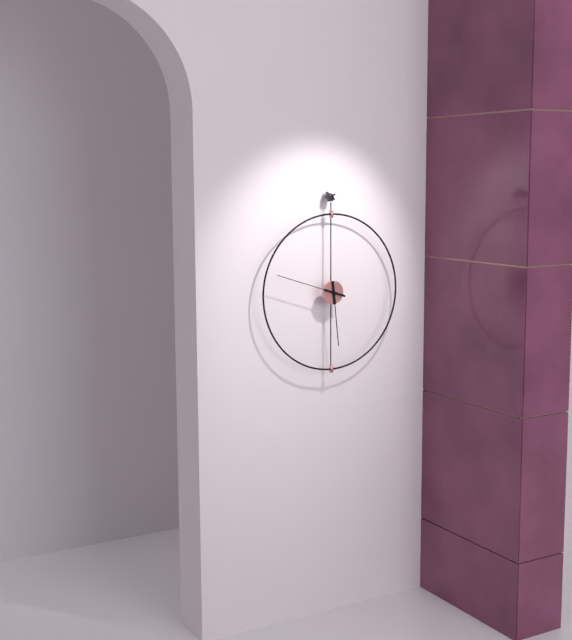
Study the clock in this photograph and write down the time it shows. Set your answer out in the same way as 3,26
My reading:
5,48
